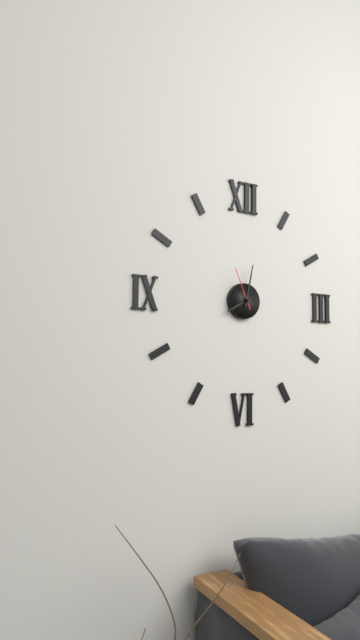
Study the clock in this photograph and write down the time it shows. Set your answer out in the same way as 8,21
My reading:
8,02
